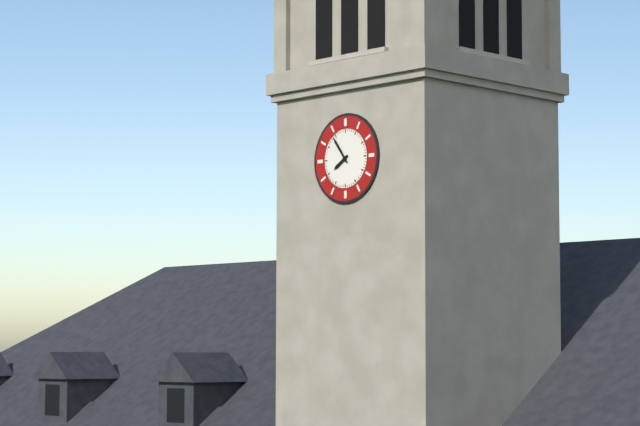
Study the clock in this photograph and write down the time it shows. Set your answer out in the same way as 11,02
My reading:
7,54
